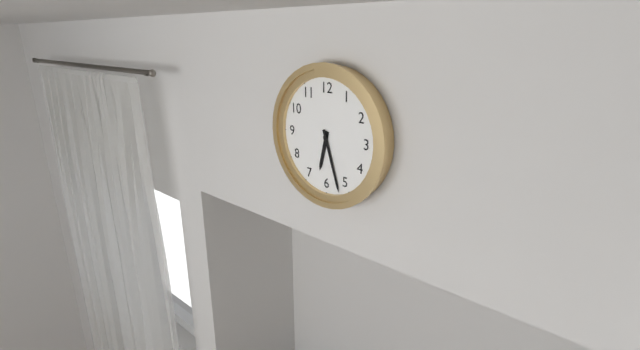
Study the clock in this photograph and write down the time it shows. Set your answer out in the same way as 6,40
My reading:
6,27
